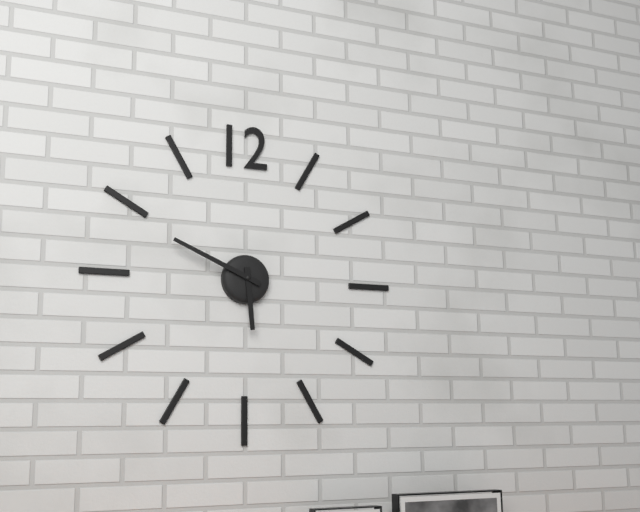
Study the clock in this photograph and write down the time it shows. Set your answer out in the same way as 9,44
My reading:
5,49
